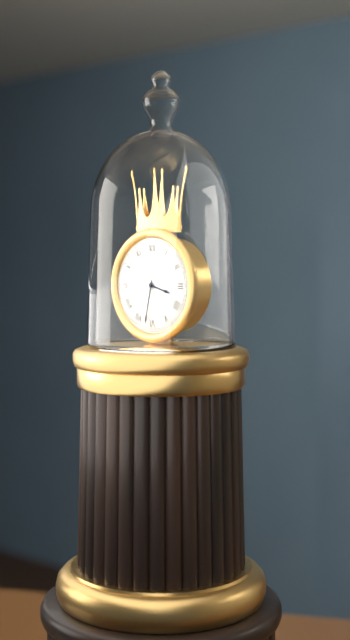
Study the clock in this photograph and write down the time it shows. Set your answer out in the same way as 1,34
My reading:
3,32
